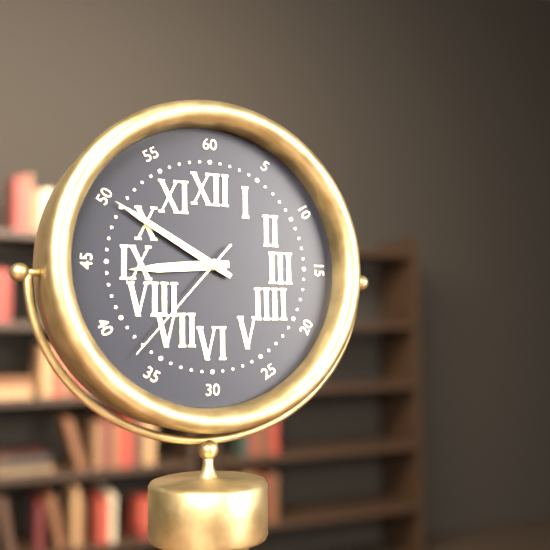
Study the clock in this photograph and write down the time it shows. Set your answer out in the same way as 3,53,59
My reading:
8,50,37
